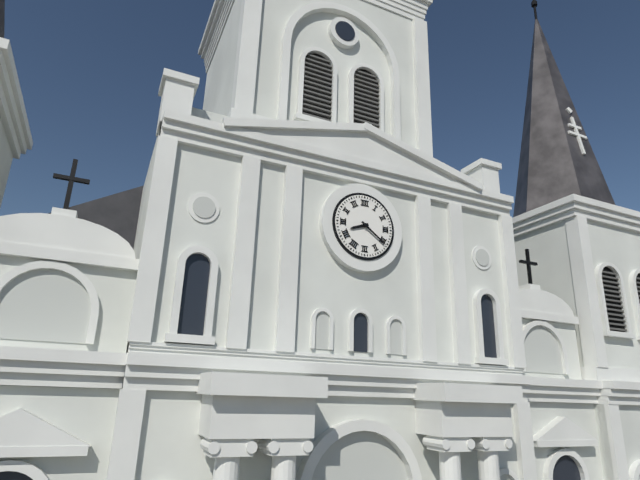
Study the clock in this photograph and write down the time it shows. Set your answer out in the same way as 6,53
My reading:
8,21
